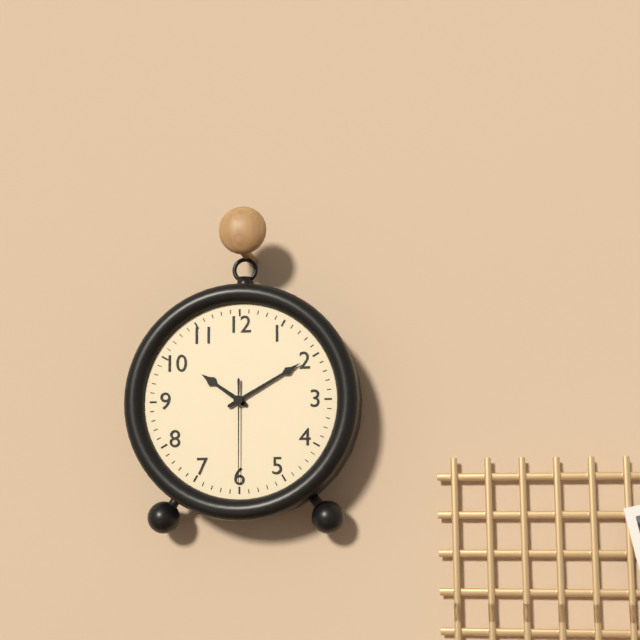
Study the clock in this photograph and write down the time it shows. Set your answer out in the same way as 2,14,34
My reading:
10,10,30
